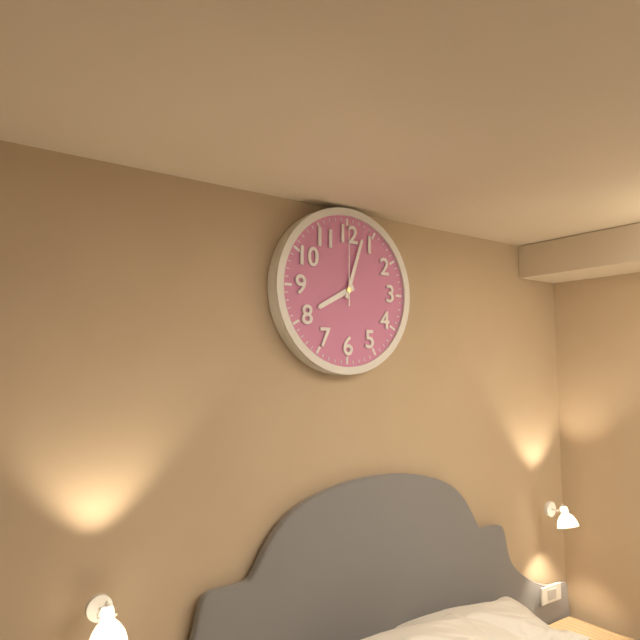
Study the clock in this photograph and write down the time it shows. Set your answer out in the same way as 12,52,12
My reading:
8,03,00
